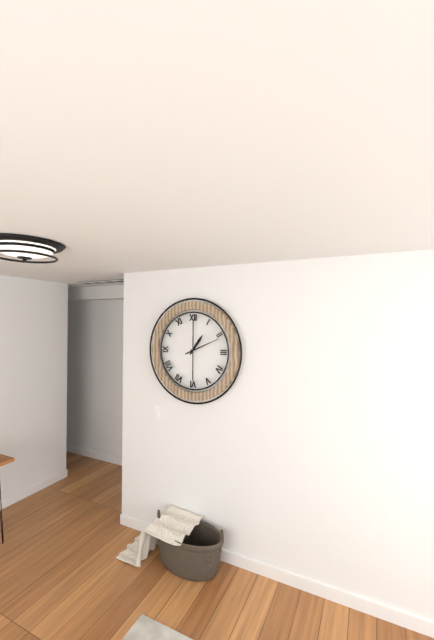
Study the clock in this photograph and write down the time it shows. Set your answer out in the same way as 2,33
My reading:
1,11
